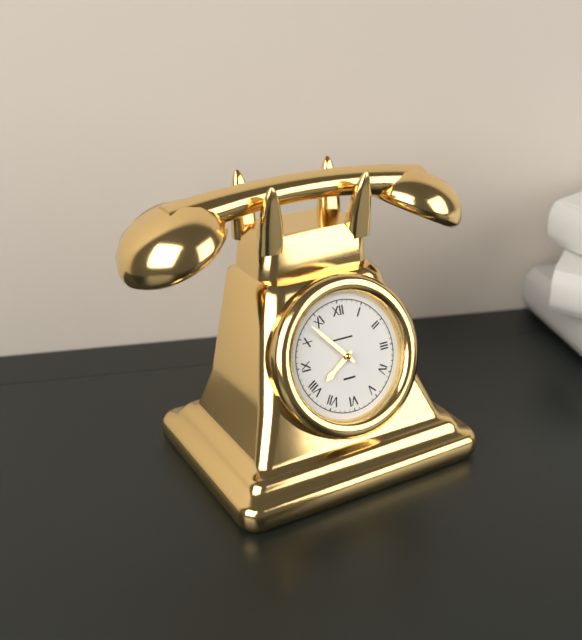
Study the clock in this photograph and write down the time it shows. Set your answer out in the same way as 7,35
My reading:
7,53
